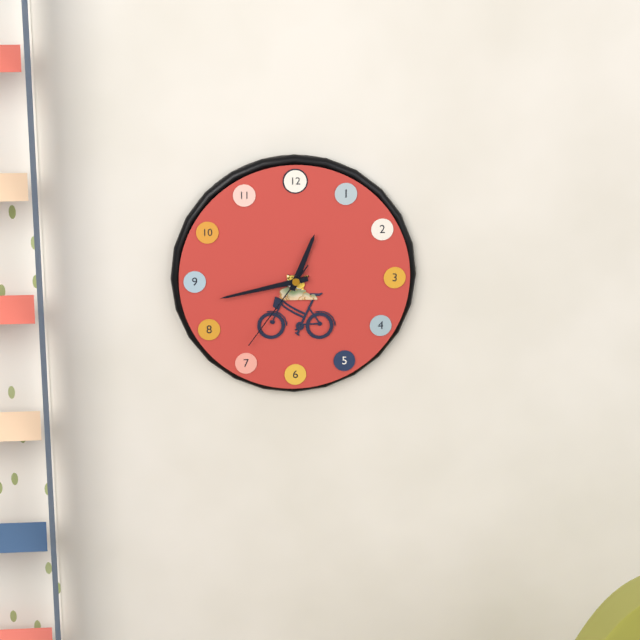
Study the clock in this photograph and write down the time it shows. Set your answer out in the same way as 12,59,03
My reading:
12,43,36
